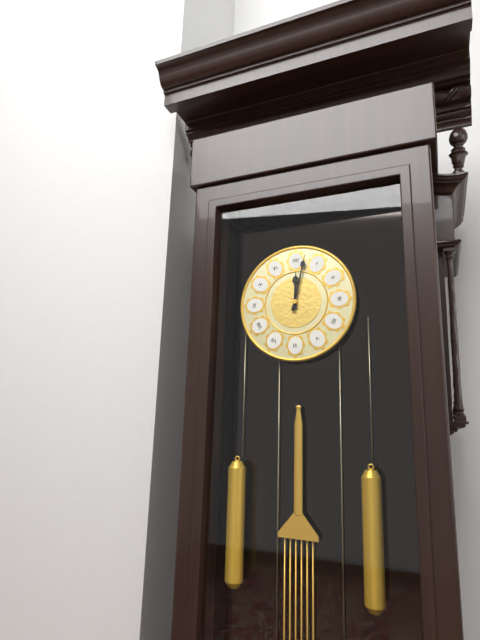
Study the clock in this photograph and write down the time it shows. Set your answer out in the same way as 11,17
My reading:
12,02
